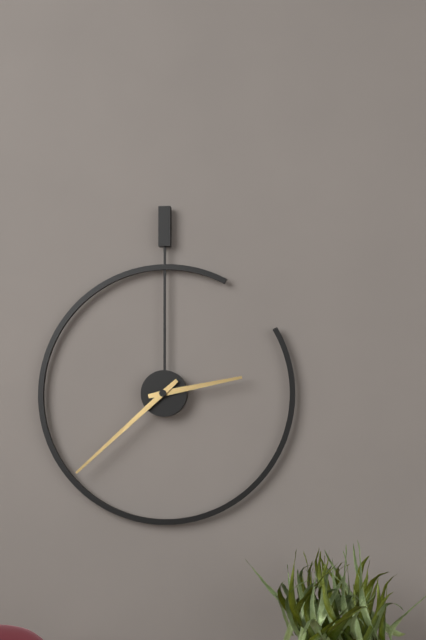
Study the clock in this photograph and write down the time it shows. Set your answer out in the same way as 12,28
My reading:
2,38
